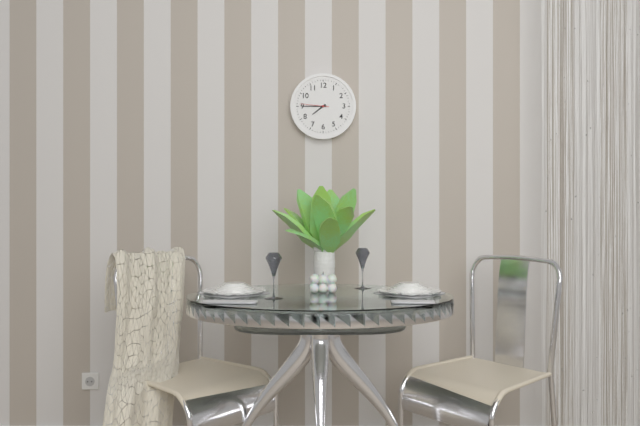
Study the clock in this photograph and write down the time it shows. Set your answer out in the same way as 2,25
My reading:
7,45
